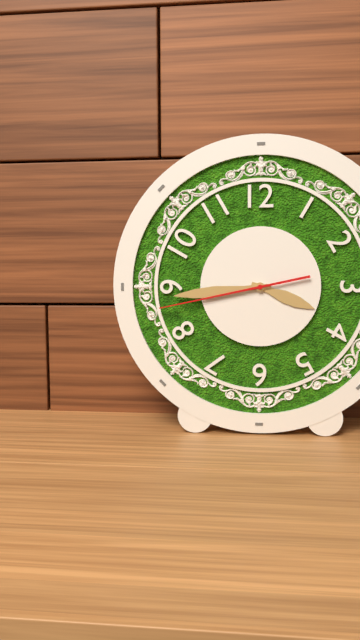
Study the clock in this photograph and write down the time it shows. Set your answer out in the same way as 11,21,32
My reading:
3,44,43
